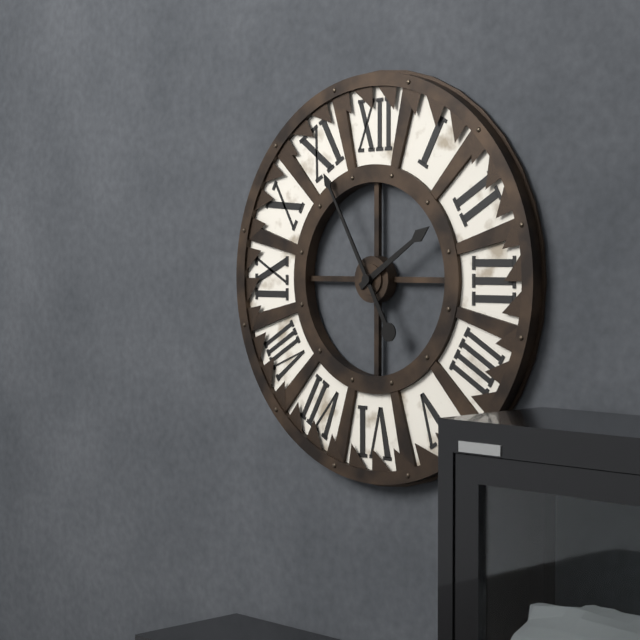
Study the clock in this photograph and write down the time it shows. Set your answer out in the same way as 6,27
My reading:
1,55
